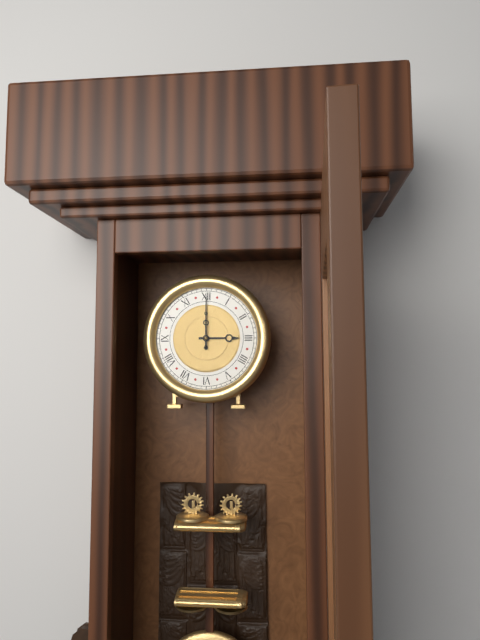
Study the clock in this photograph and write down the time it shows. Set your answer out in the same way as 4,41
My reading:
3,00
